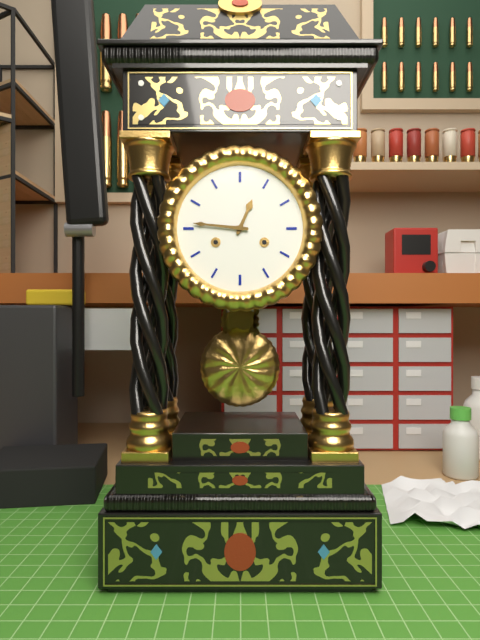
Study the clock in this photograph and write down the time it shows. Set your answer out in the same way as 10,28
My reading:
12,46
